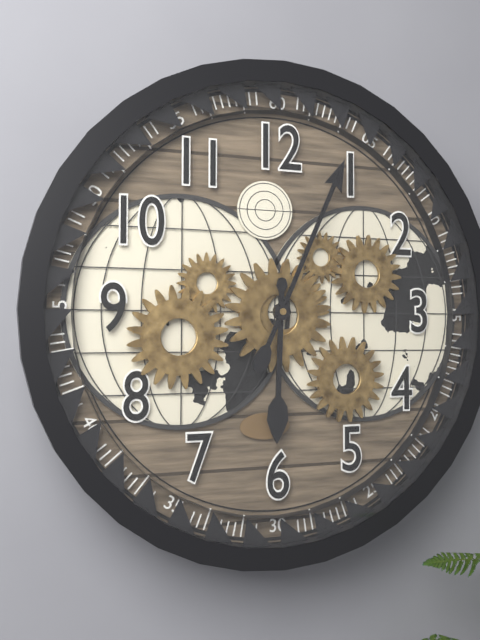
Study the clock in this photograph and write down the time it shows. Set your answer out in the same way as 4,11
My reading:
6,04
